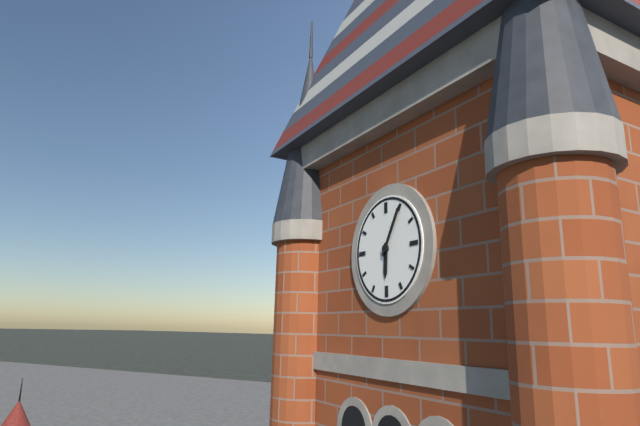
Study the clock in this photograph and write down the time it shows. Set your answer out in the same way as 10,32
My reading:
6,05
